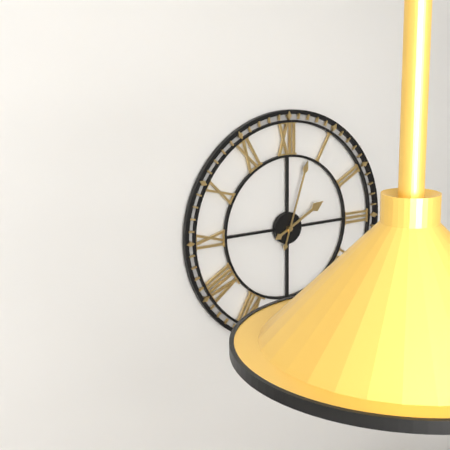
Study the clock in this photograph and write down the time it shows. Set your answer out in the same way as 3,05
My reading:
2,03
